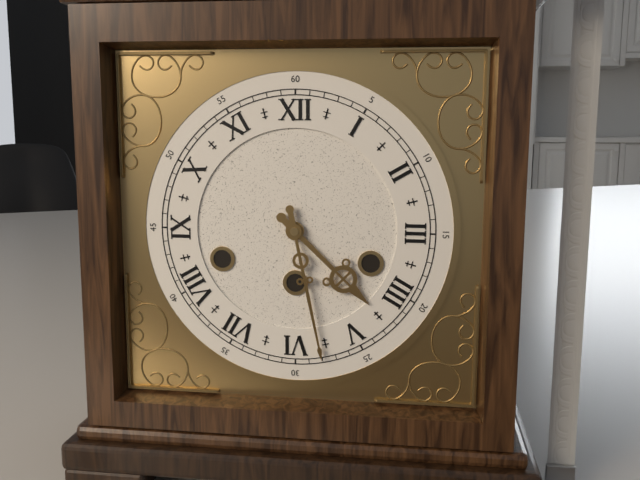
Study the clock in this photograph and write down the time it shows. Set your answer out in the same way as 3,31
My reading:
4,28
